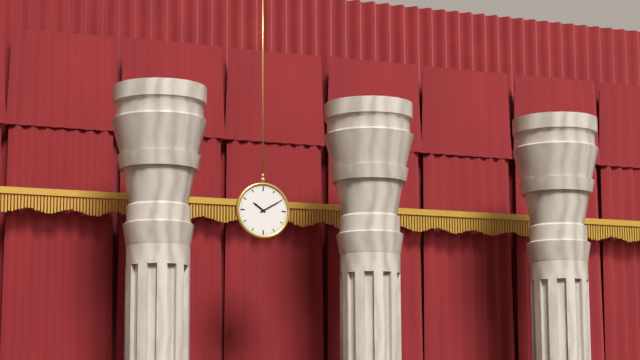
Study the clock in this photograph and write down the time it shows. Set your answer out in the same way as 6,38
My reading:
10,10
